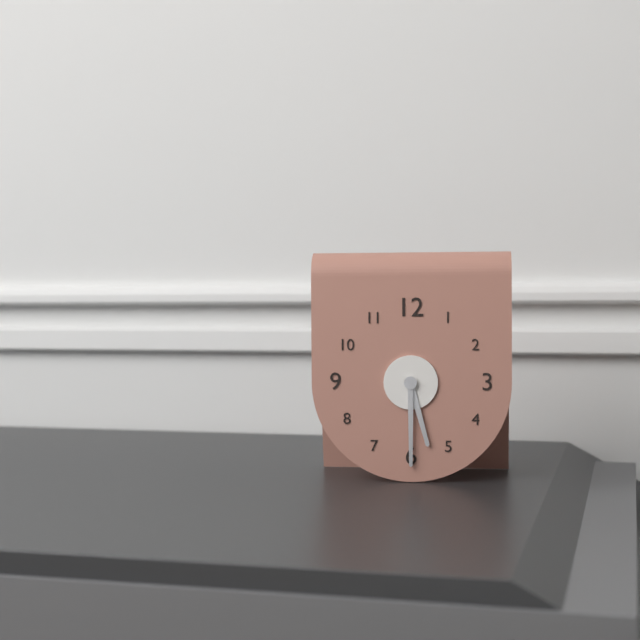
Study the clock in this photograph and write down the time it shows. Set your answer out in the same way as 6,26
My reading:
5,30
